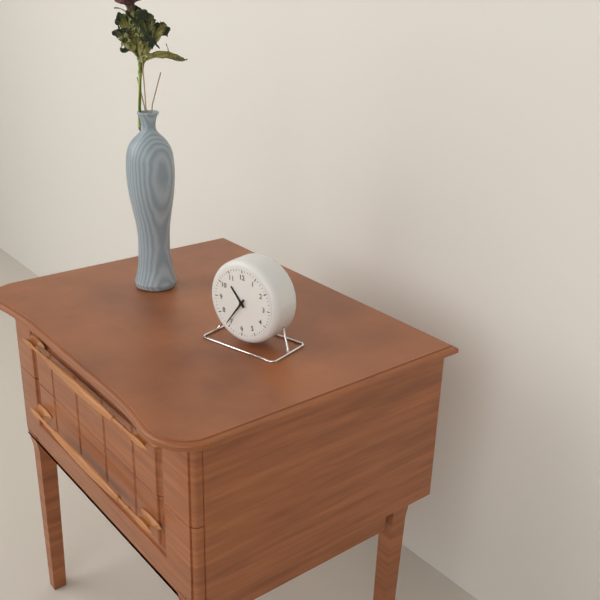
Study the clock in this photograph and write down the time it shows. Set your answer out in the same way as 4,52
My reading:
10,36
